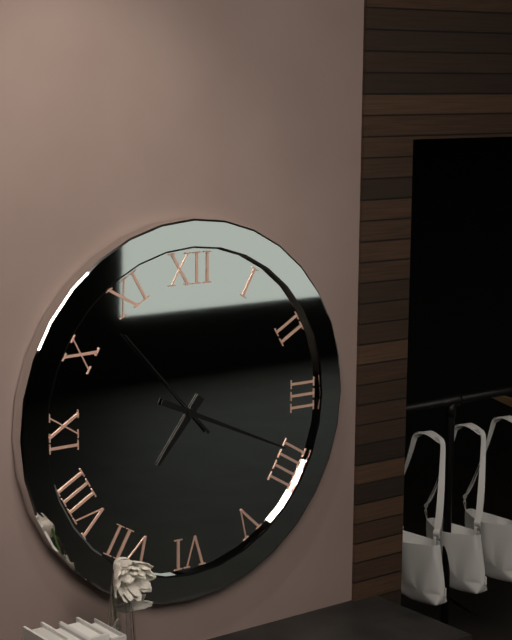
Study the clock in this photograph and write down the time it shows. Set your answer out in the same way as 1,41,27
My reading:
7,19,53
